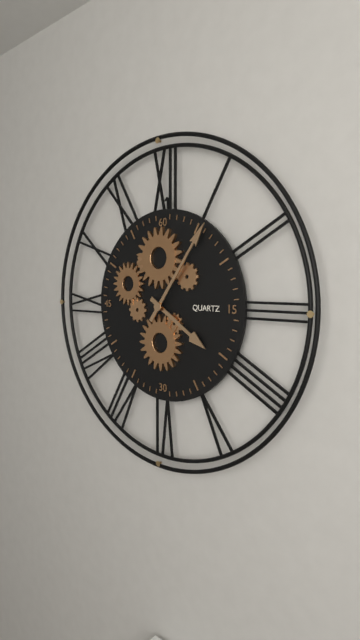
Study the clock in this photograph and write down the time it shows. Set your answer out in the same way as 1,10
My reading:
4,06
